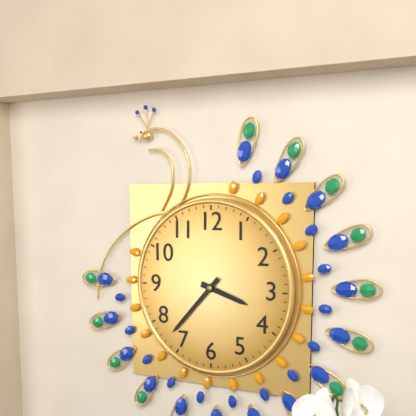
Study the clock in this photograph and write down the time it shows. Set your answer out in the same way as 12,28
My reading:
3,37
